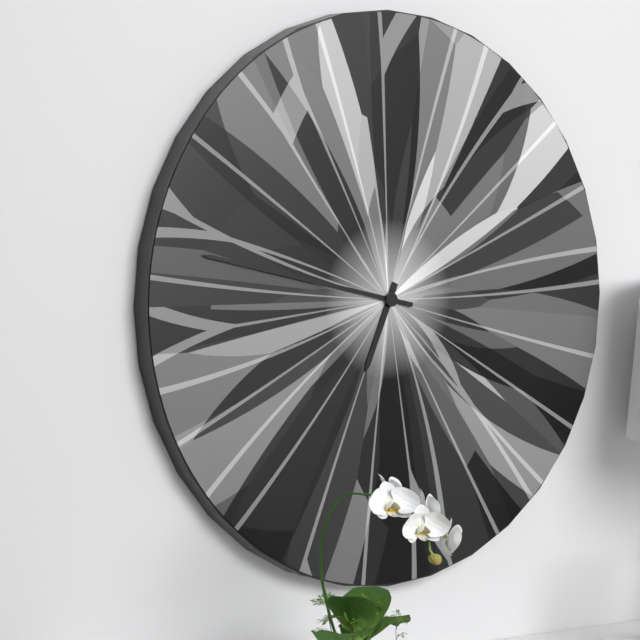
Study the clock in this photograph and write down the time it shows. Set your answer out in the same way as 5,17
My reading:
6,47
